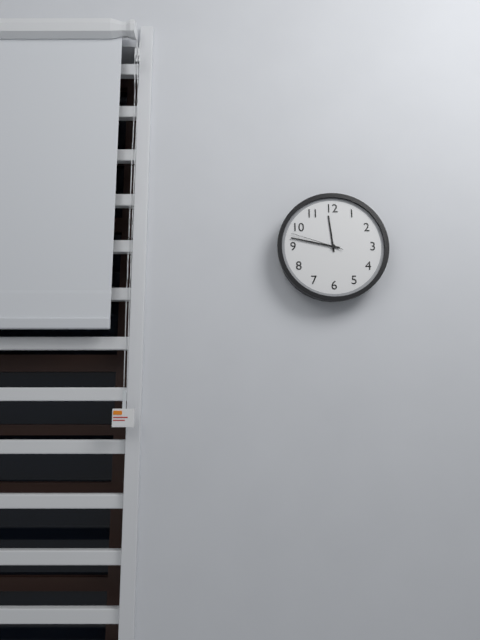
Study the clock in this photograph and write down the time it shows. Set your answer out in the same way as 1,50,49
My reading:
11,47,48
